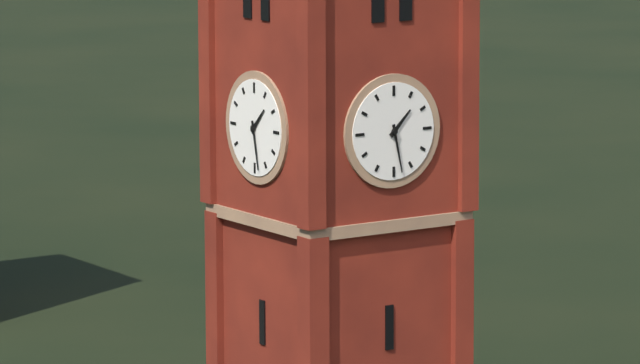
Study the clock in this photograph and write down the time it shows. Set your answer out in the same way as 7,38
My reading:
1,28
